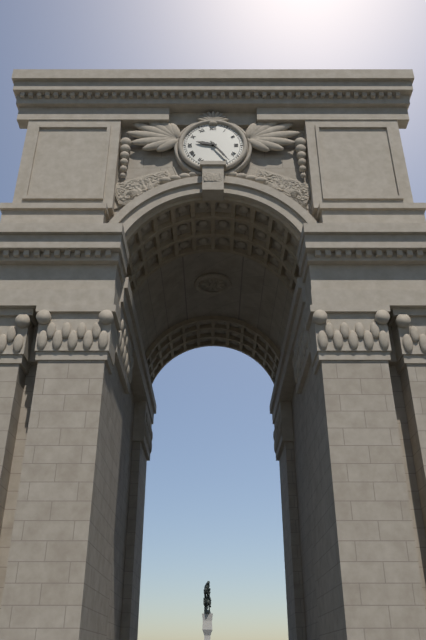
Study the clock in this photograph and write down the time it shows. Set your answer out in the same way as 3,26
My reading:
9,24
